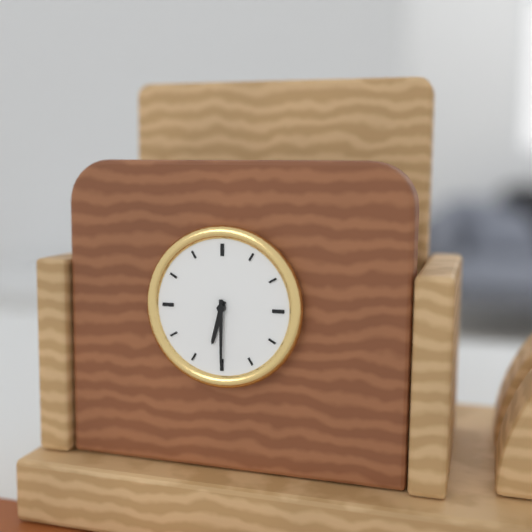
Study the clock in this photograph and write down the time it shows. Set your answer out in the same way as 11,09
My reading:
6,30
